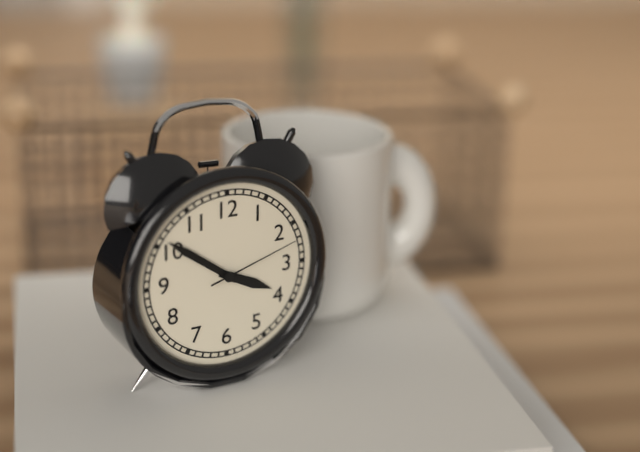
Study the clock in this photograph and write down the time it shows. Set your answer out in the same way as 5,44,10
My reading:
3,51,12
